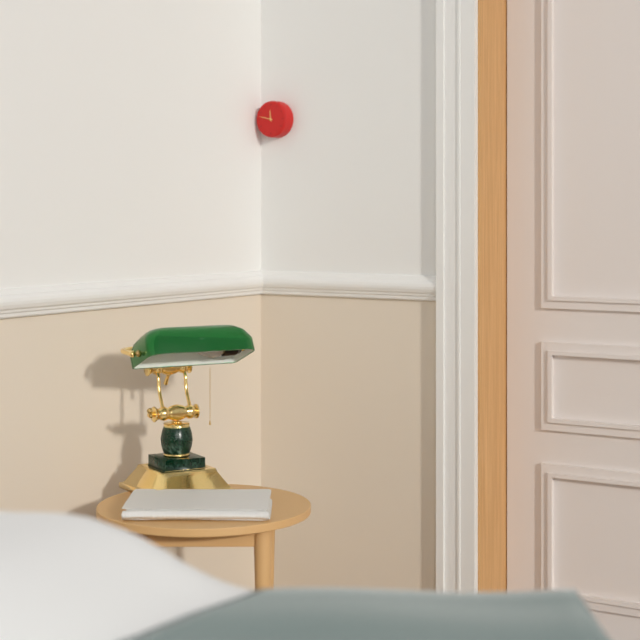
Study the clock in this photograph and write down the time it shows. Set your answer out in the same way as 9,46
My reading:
11,47
